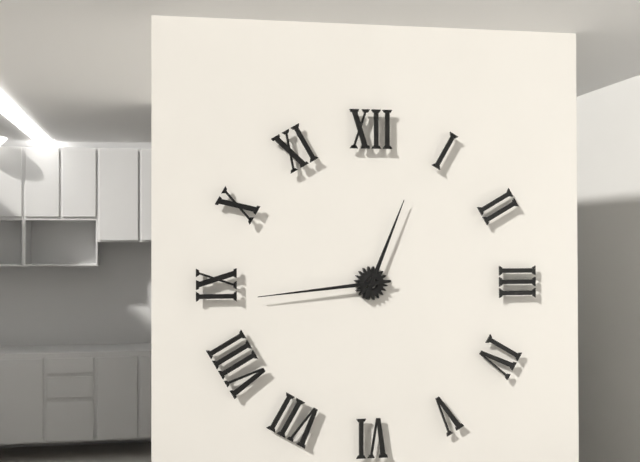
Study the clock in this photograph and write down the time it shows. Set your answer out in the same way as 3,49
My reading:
12,44
